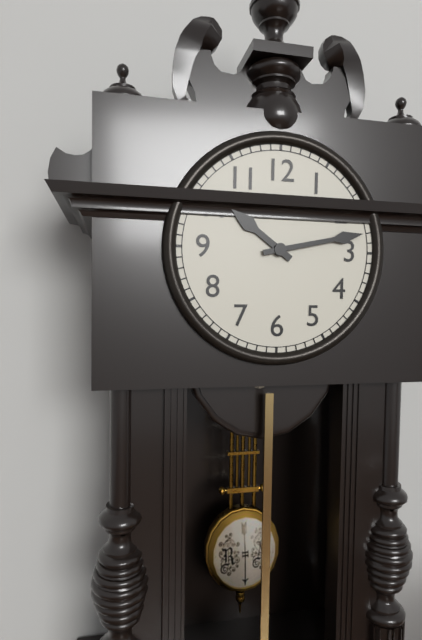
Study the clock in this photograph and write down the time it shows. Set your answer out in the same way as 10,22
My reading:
10,13
